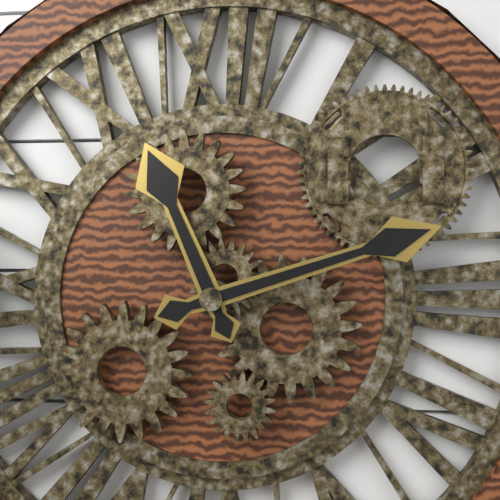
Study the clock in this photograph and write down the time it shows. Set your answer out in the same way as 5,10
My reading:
11,12
